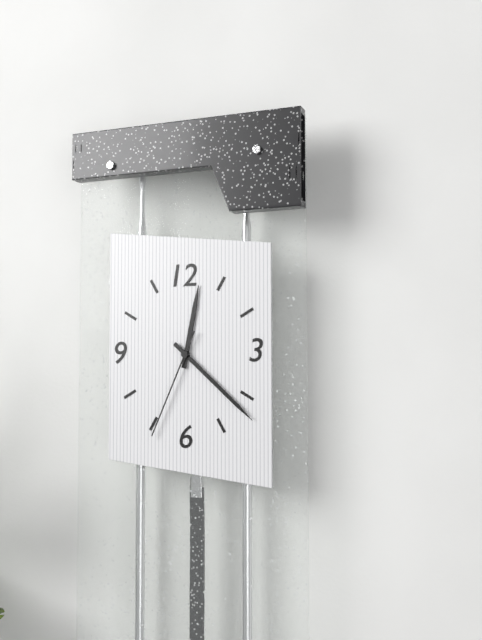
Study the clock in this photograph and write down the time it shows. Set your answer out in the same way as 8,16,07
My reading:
12,22,34
